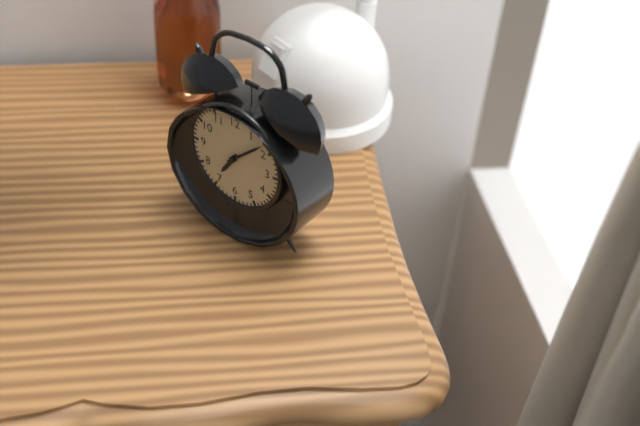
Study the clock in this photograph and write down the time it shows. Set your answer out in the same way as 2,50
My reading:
7,08
